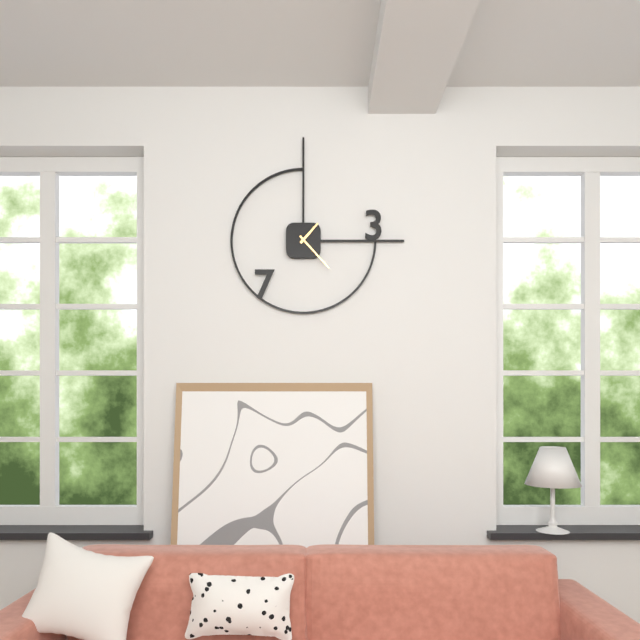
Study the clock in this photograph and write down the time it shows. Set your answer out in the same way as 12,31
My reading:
1,23
